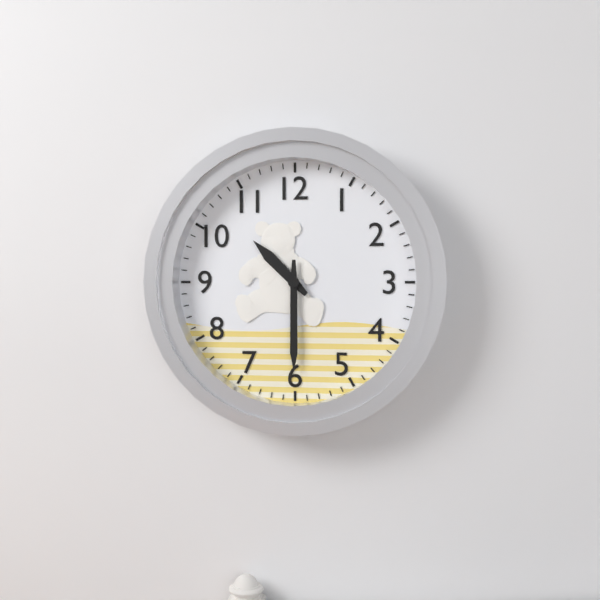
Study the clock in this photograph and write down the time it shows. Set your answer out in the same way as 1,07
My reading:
10,30
